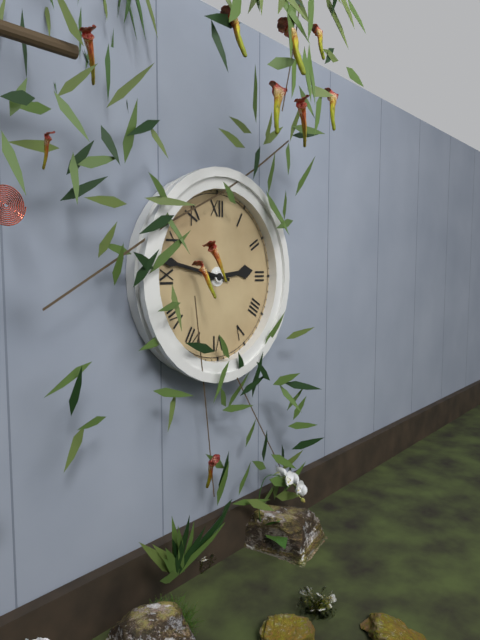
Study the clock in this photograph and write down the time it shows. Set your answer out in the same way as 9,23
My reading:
2,47
